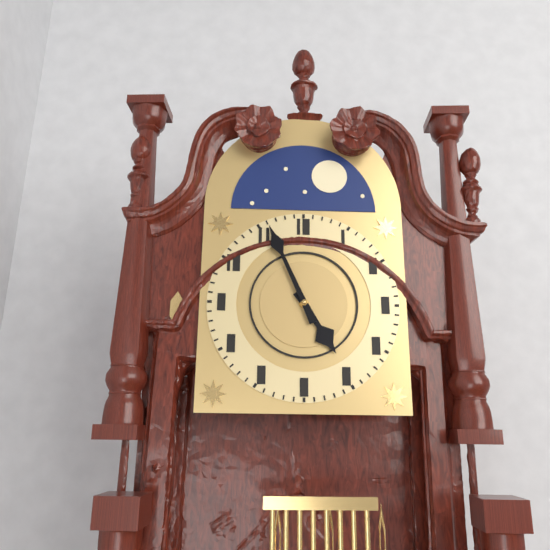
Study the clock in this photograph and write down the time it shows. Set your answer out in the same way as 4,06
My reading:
4,56
